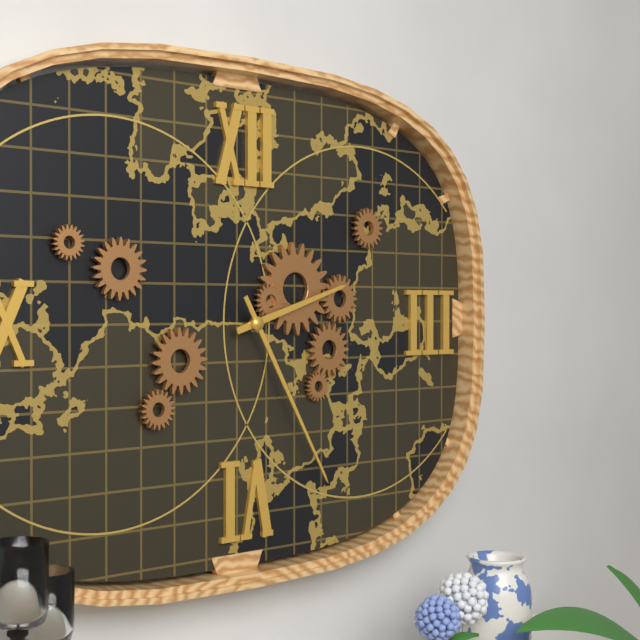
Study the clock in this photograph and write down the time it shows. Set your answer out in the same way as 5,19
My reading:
2,25
